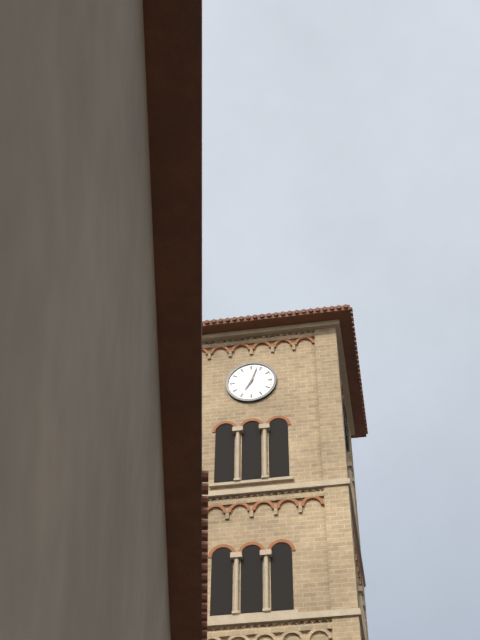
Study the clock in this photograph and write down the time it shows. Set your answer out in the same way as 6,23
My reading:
7,03
